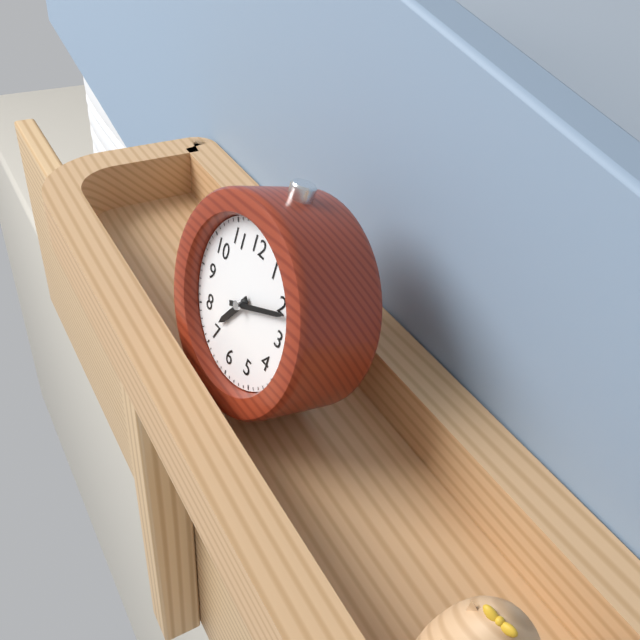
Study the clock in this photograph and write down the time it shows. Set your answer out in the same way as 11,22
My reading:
7,11
